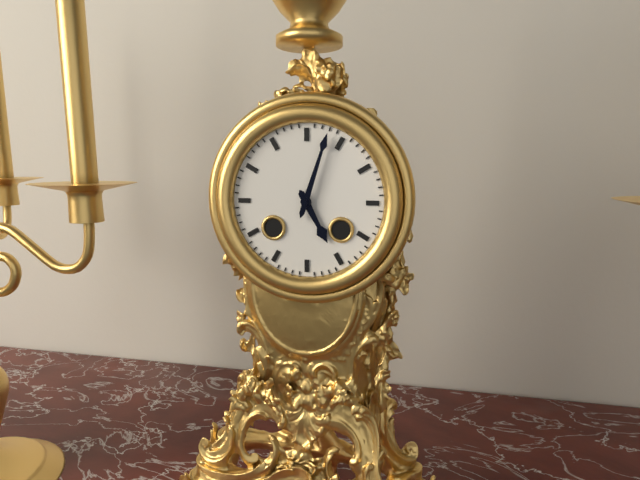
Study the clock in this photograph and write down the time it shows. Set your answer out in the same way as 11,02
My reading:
5,03
